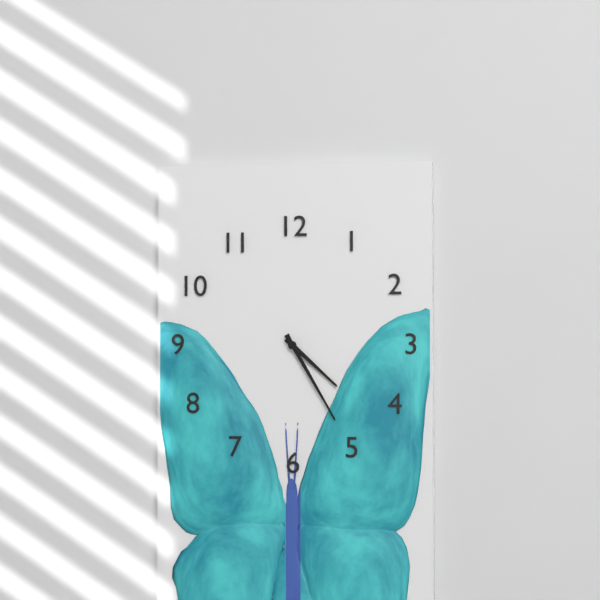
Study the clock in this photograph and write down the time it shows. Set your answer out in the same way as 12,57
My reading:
4,25
